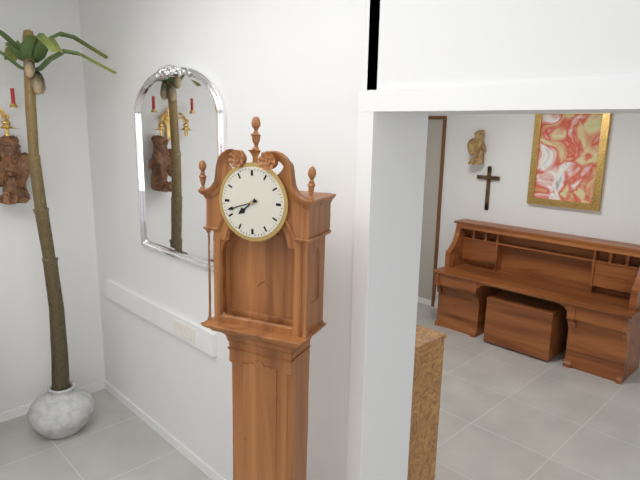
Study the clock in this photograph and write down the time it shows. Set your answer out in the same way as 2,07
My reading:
7,42
